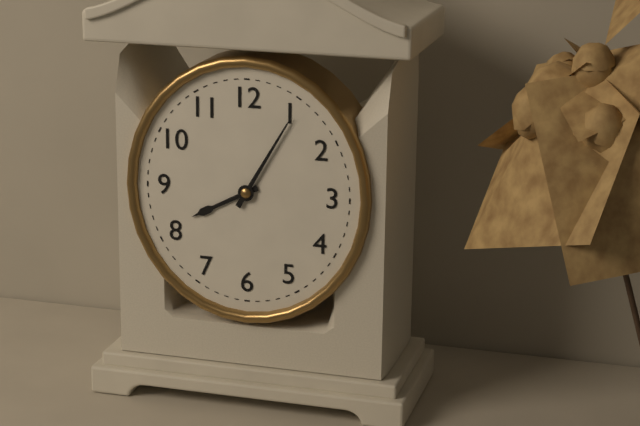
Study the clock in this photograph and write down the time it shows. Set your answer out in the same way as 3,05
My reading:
8,05
